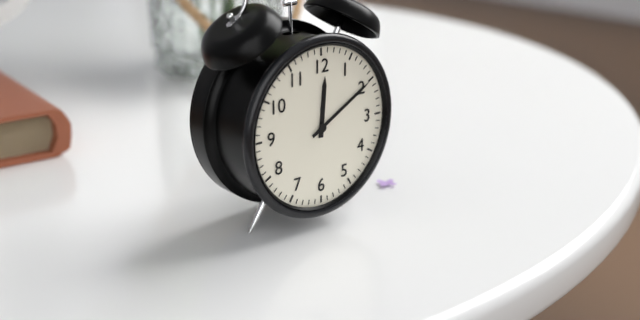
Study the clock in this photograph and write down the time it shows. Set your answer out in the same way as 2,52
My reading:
12,10
